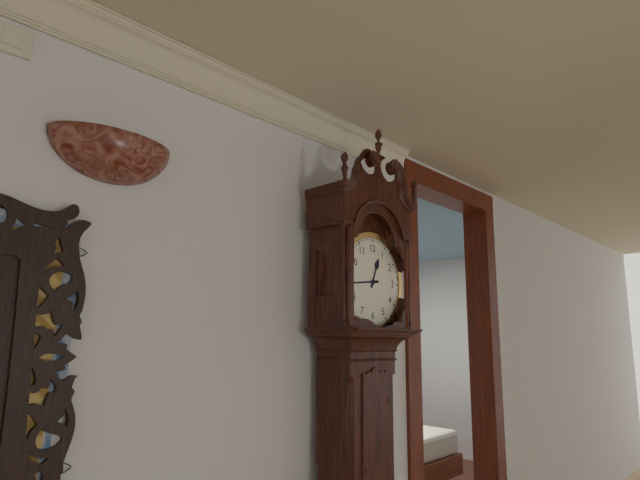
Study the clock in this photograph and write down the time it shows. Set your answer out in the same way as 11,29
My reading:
12,44
